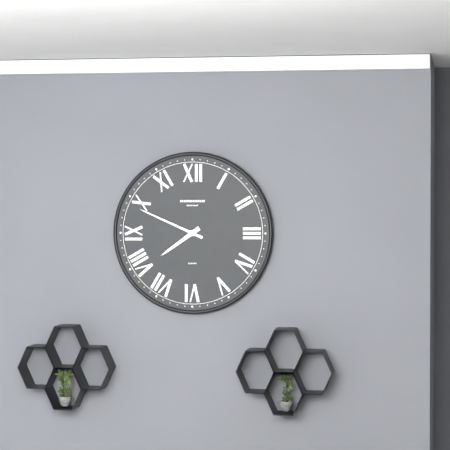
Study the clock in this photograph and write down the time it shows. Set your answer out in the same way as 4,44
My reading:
7,49
